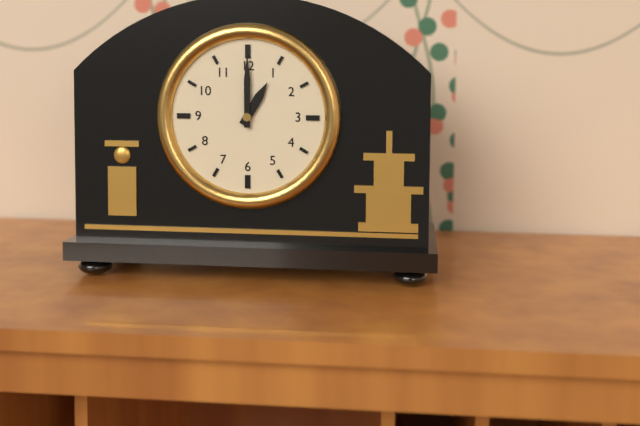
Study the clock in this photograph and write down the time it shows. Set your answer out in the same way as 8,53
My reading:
1,00
